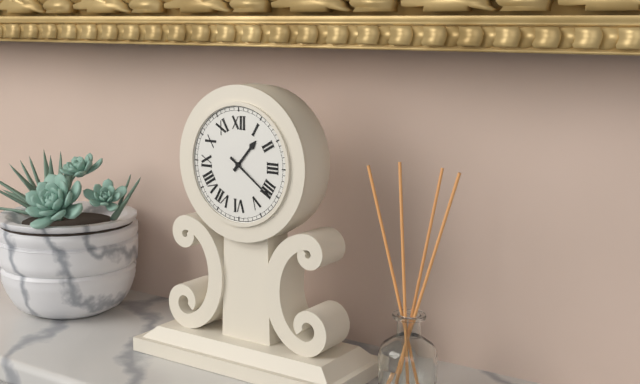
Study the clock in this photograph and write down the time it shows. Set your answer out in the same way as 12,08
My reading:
1,21
